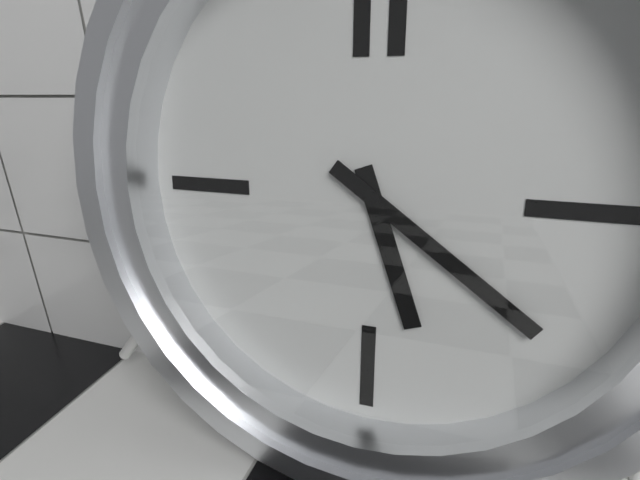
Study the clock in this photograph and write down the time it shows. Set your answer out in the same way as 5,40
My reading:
5,21
